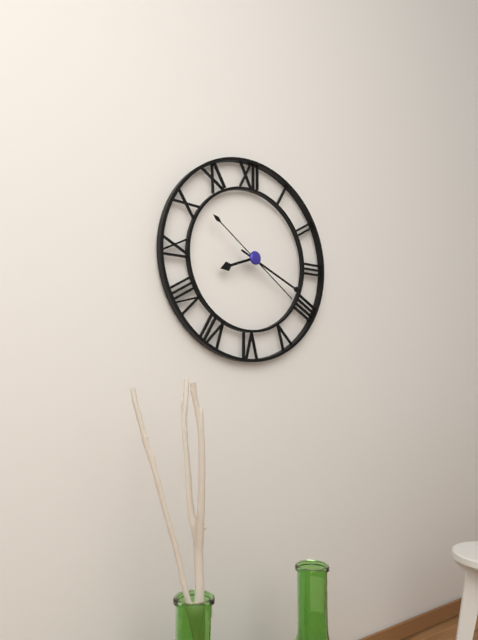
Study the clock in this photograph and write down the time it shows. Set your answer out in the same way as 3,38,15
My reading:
8,19,21
